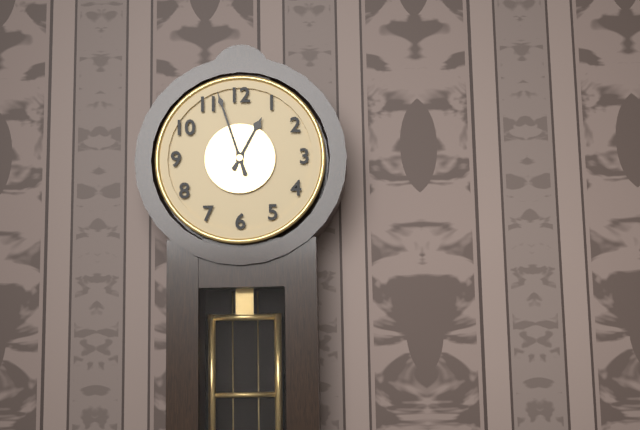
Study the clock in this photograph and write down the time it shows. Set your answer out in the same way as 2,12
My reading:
12,57
